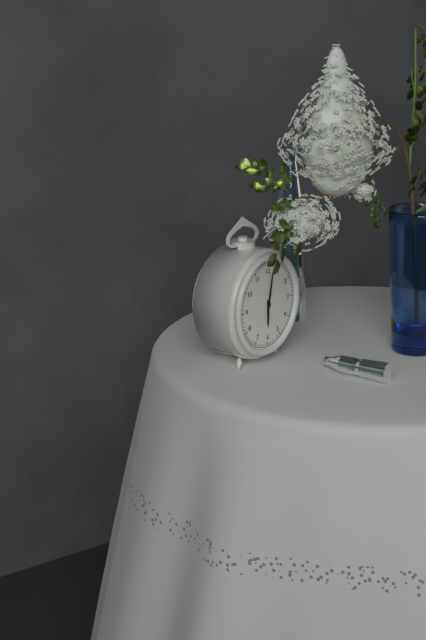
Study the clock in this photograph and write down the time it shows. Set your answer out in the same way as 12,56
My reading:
6,02
